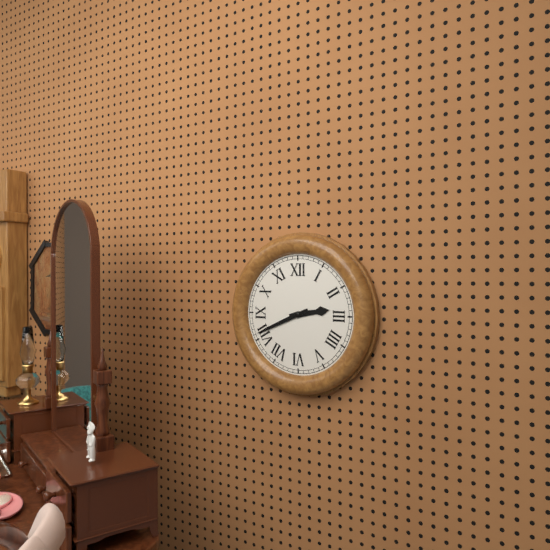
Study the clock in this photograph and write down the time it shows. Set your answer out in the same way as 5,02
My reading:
2,41
